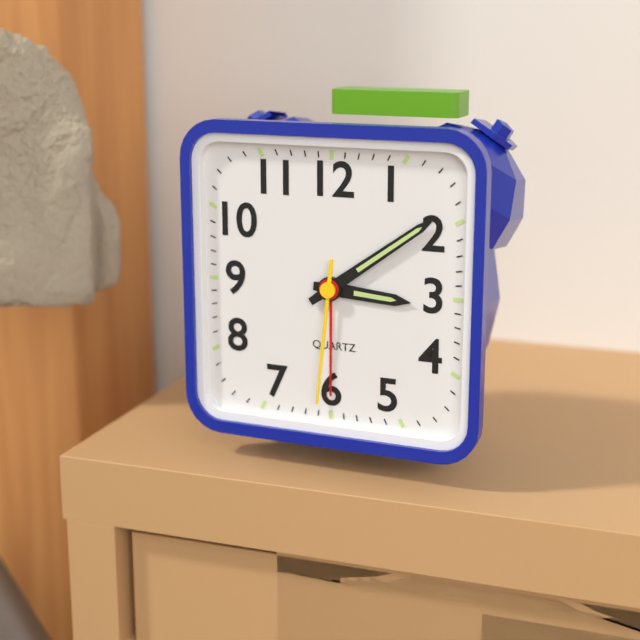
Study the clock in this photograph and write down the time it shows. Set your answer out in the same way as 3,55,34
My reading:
3,09,31
